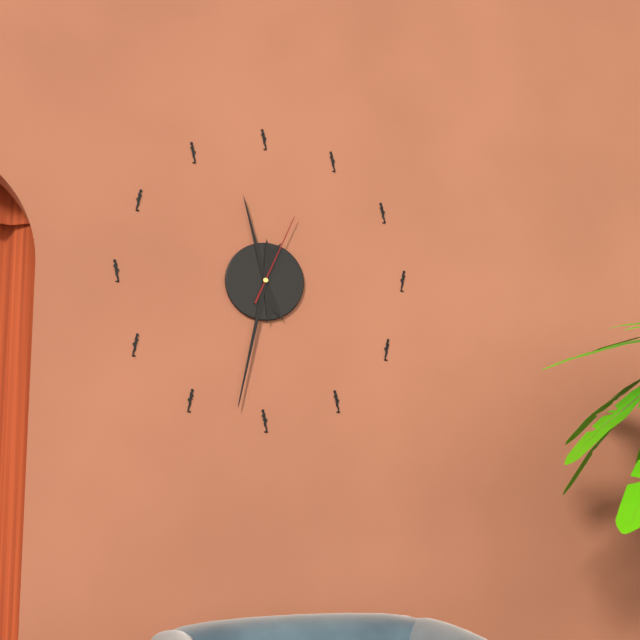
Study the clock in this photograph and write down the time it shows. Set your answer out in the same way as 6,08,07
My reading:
11,32,04
